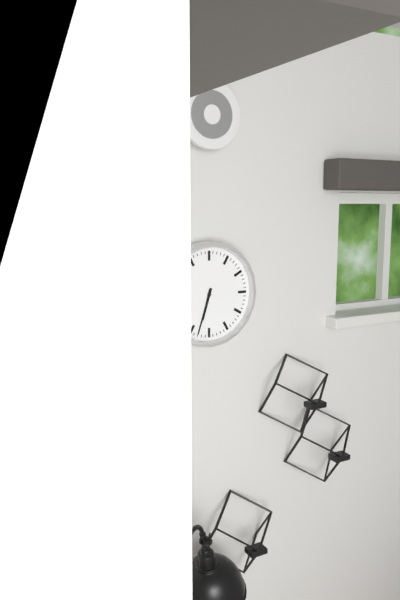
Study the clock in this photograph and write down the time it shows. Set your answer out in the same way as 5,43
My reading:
6,33
